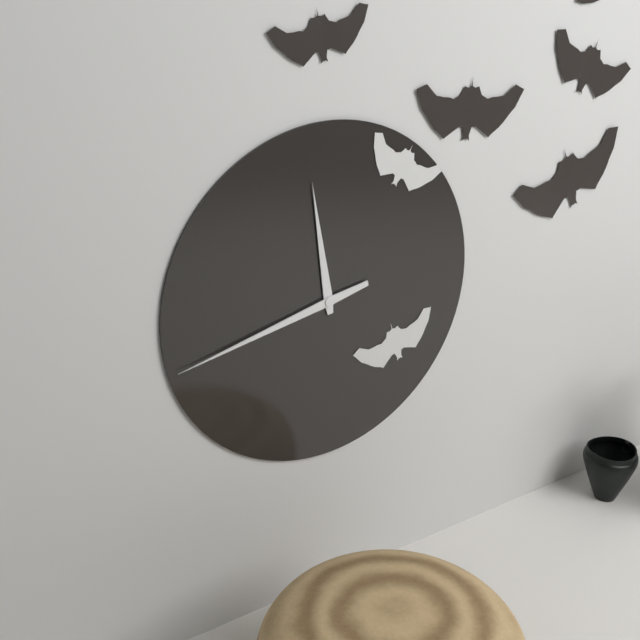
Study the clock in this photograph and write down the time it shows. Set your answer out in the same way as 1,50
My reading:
11,43
